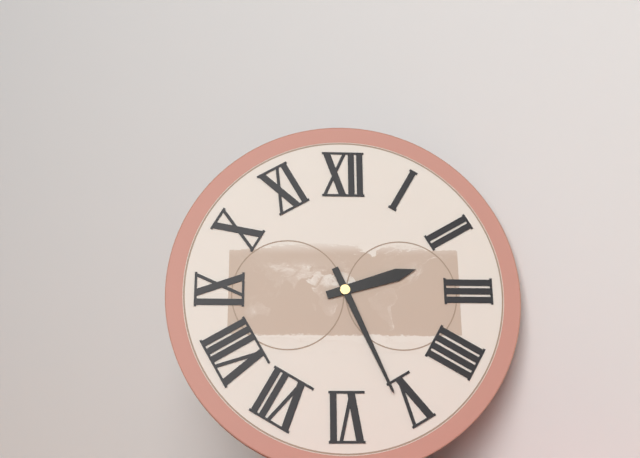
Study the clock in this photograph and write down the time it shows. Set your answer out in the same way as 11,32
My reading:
2,26
